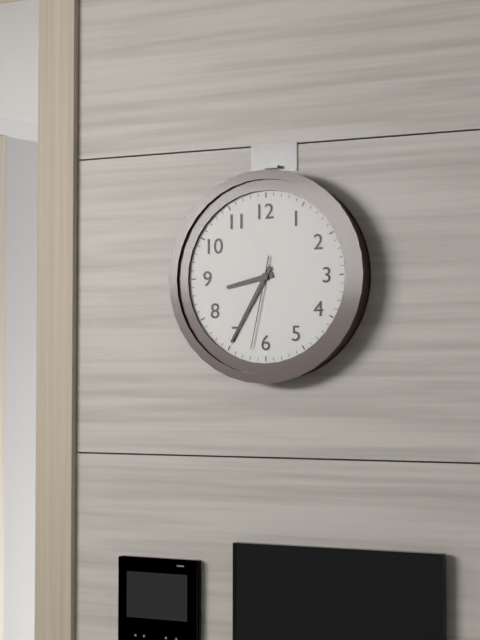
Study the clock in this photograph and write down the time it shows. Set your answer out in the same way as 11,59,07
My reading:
8,35,32
